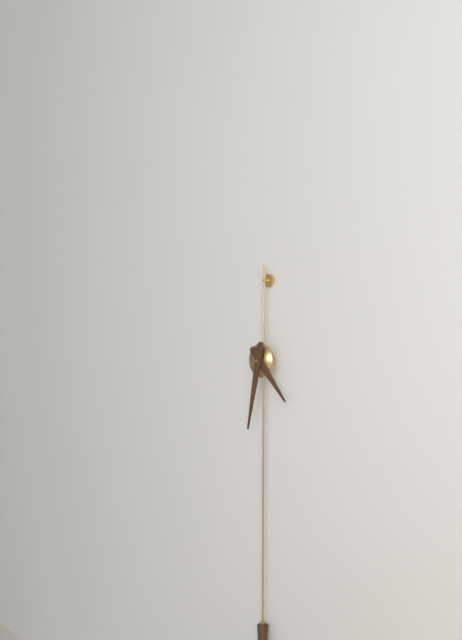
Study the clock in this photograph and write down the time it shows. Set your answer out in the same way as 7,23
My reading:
4,32
